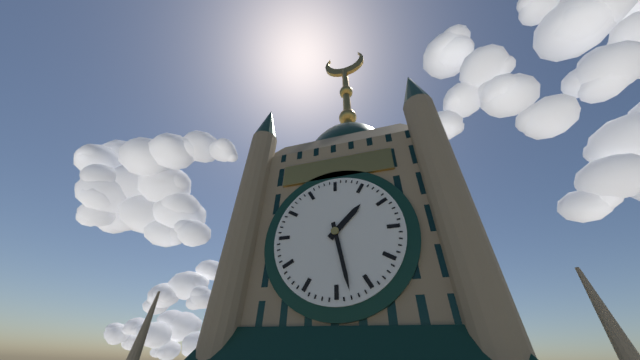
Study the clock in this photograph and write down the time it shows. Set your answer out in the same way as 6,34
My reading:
1,28
